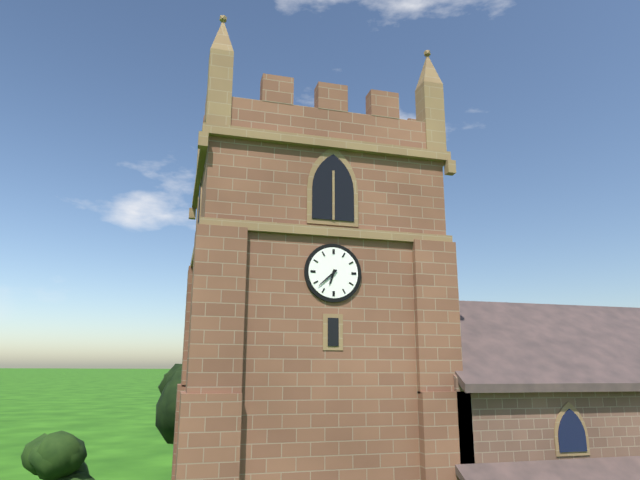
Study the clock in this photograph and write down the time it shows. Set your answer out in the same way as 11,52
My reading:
6,38
